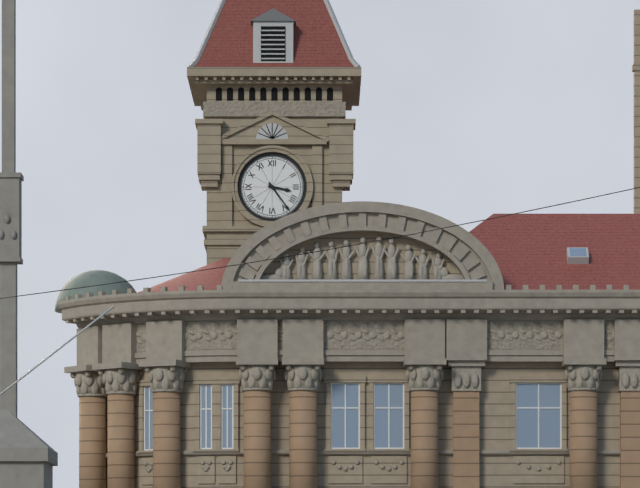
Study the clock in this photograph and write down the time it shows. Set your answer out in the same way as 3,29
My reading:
3,24
